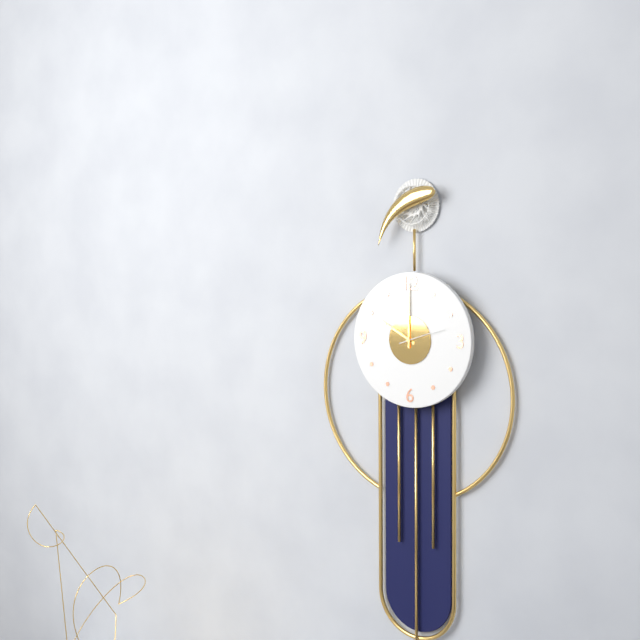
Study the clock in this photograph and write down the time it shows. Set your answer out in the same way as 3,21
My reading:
10,00
